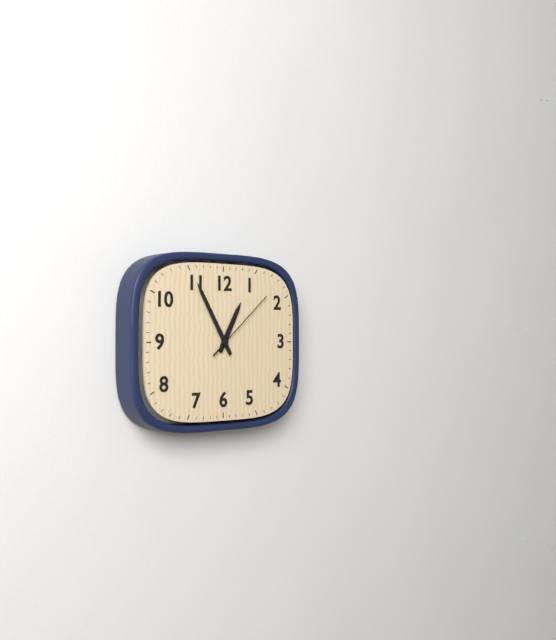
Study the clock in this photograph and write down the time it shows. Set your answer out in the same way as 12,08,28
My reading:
12,55,08
